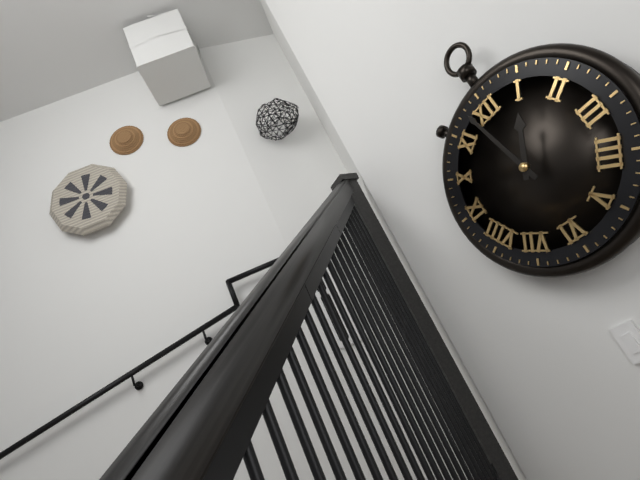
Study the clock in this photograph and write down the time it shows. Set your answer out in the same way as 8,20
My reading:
12,58
